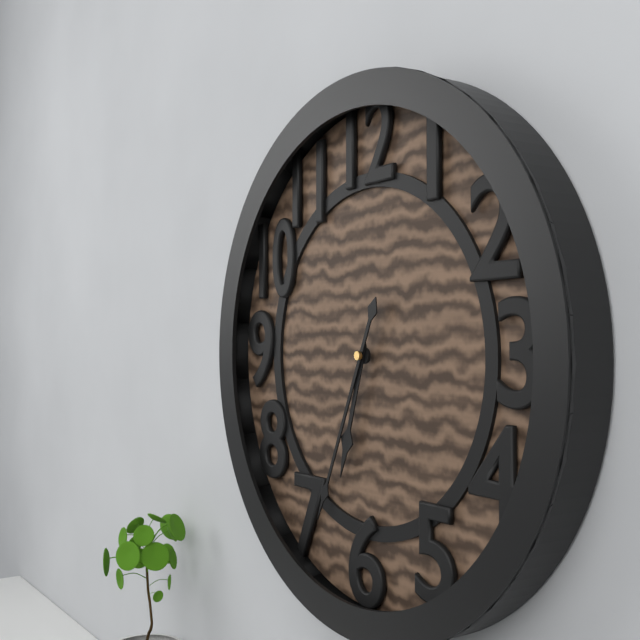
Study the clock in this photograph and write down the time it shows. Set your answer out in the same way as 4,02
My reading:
6,34
